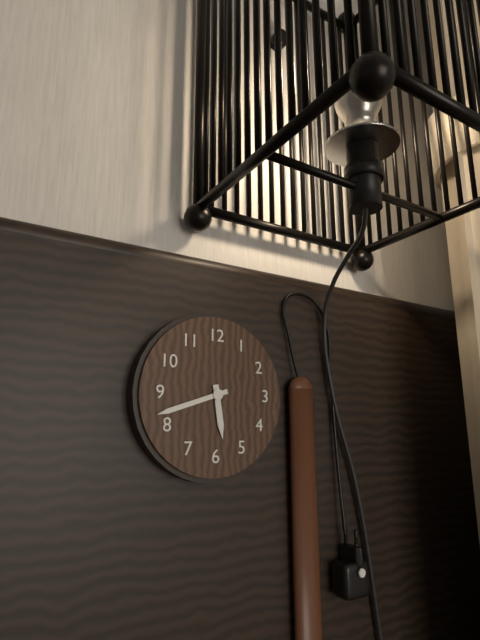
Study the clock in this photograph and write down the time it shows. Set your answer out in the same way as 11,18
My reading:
5,42
